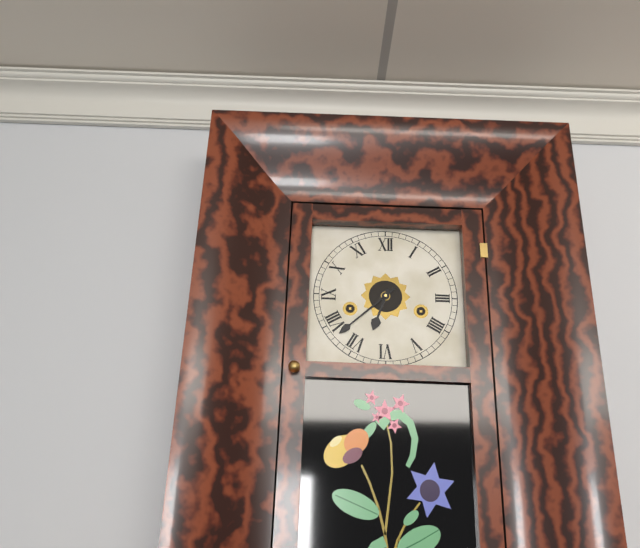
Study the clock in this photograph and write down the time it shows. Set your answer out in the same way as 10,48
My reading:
6,38
